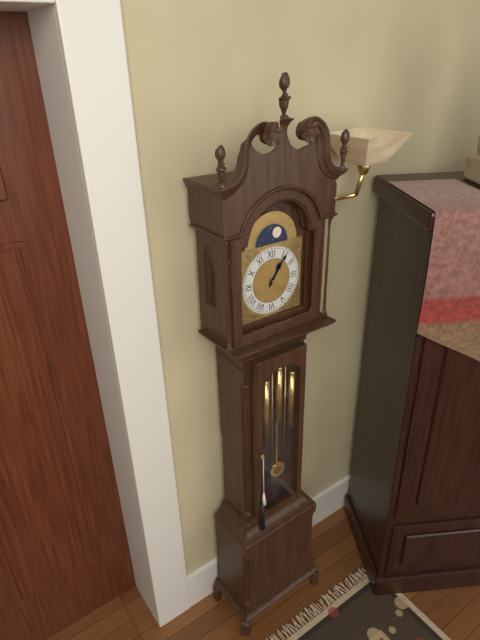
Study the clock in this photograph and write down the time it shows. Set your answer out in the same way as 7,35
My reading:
1,06
